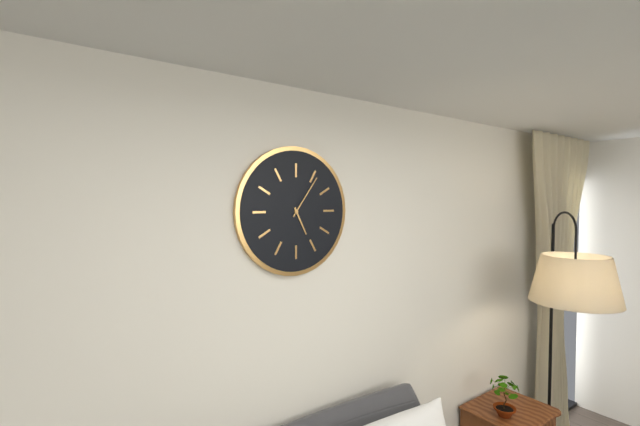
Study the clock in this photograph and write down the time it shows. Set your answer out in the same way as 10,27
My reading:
5,06
